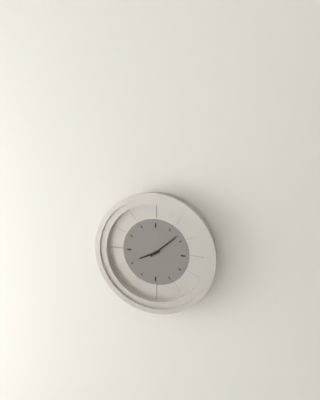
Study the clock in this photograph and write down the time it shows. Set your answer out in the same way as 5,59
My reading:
8,08
